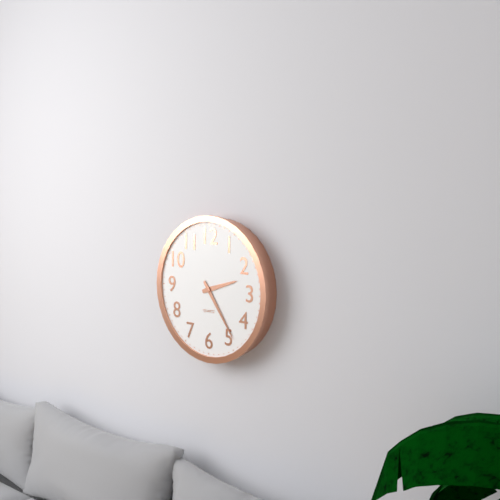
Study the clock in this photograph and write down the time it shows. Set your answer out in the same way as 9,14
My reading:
2,24
